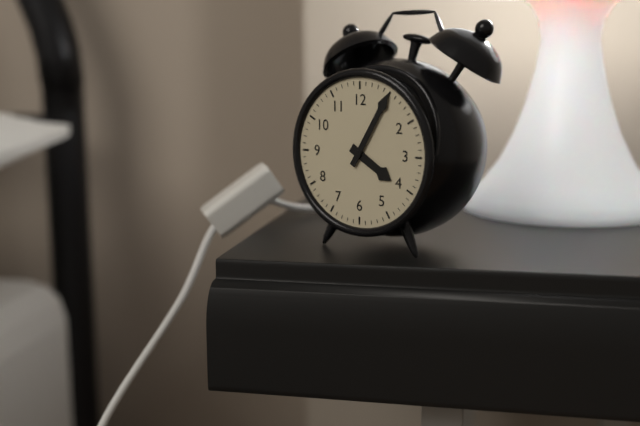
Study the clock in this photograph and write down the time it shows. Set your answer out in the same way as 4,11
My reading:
4,05
